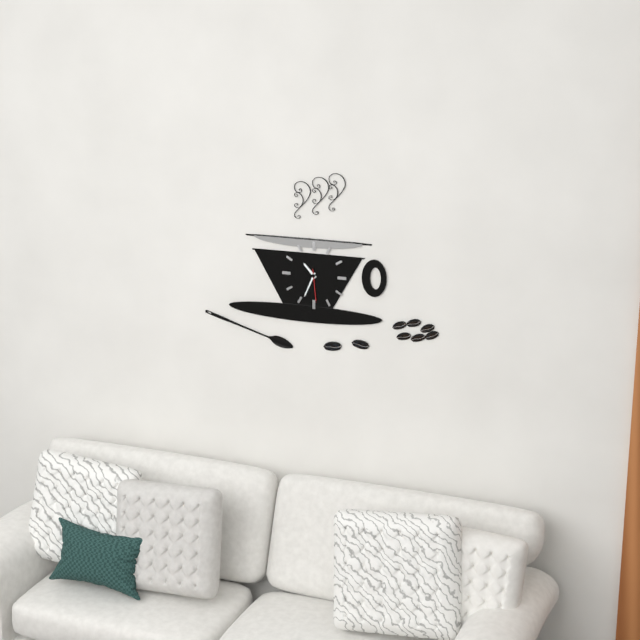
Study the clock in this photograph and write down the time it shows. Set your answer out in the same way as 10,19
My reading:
10,34
